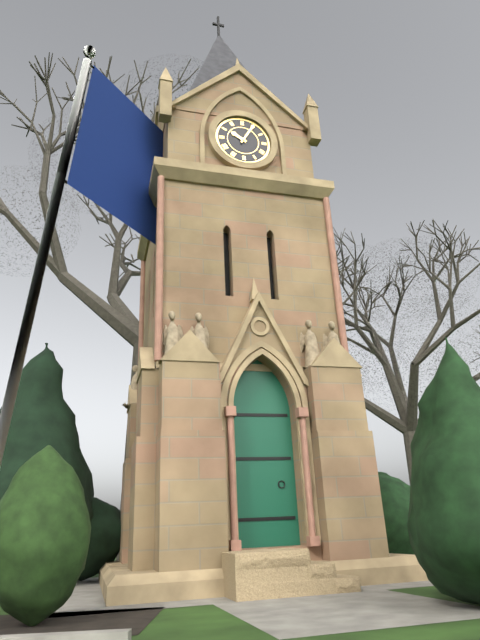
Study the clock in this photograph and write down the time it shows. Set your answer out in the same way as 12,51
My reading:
10,05
